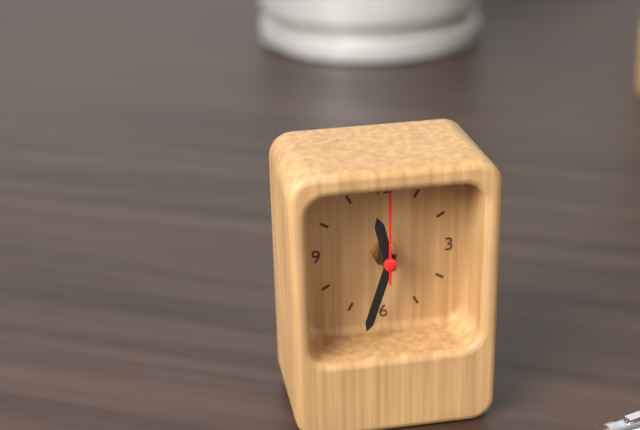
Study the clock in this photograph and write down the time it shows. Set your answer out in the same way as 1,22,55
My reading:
11,33,00
